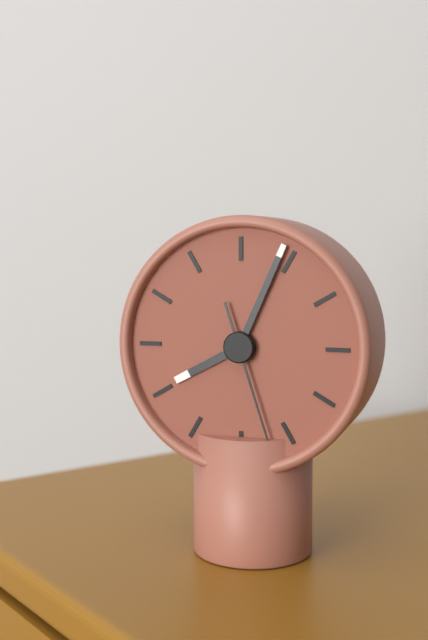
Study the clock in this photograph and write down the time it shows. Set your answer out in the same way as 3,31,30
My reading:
8,04,27
